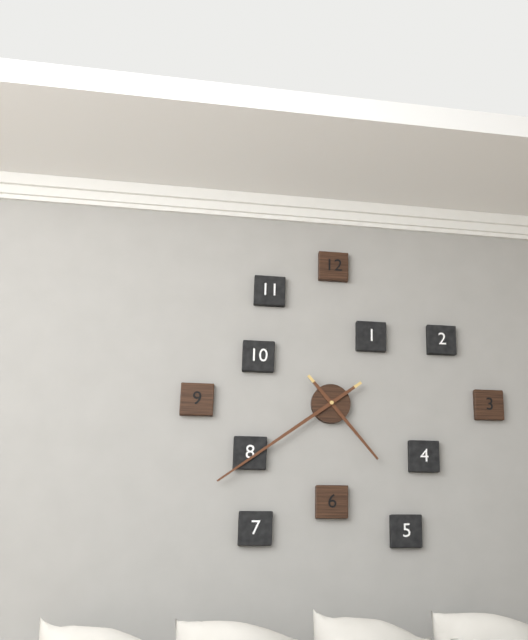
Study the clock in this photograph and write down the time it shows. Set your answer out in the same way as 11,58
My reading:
4,39
